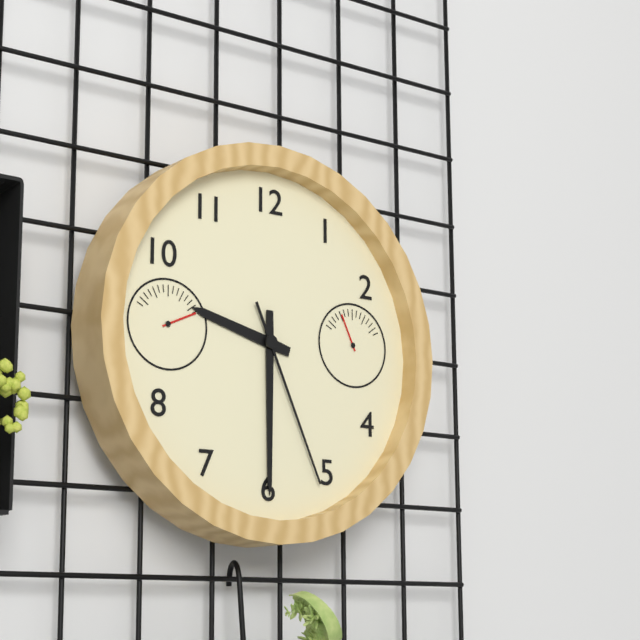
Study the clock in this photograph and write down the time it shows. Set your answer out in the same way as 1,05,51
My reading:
9,30,26
